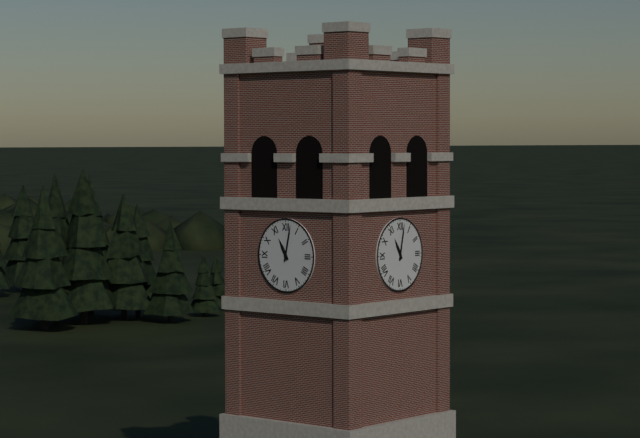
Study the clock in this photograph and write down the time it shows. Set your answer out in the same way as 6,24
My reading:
11,02
